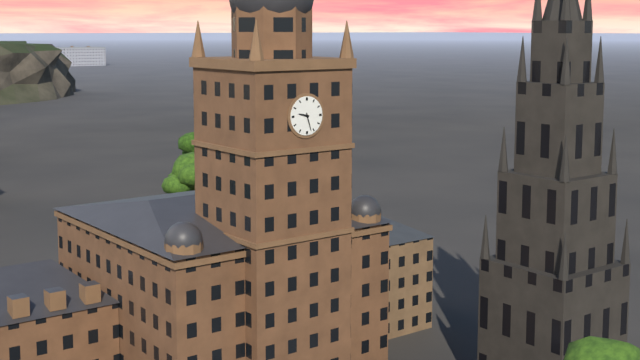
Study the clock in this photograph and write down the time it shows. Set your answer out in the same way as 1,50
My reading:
9,27
